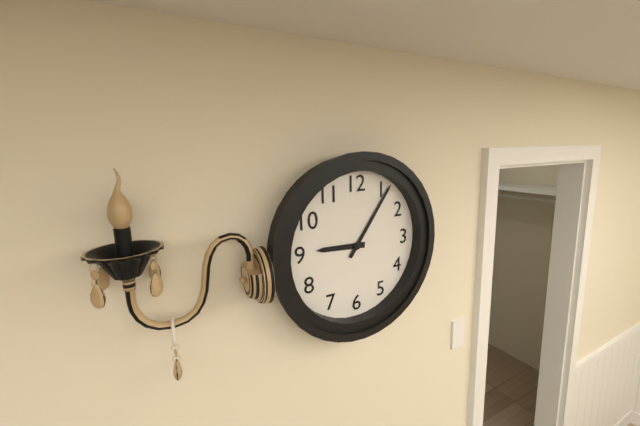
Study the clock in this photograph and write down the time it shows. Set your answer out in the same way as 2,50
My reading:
9,06
